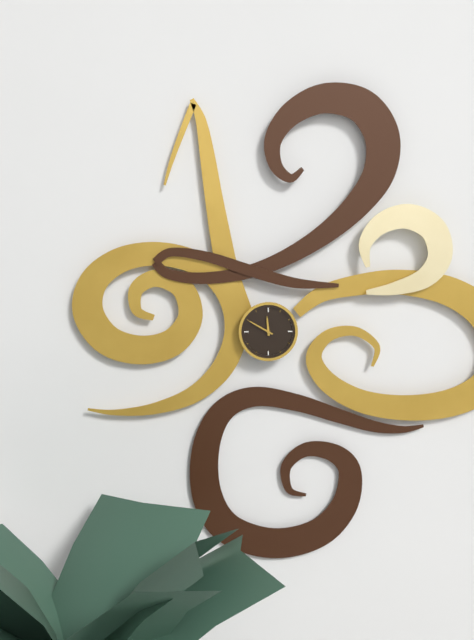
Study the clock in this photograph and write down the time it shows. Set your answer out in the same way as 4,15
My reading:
11,50
